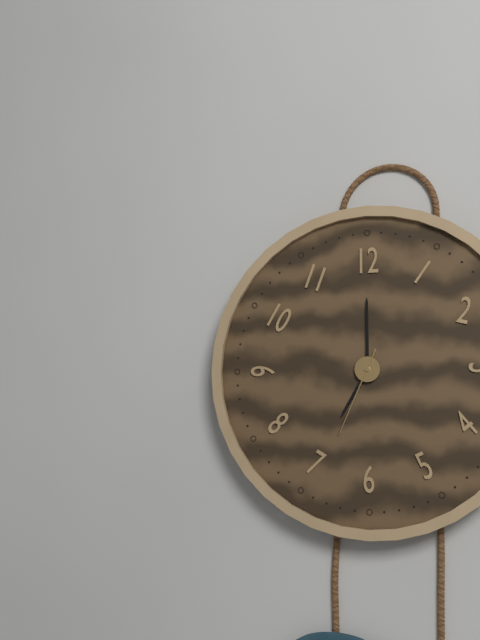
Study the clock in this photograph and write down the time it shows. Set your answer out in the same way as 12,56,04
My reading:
7,00,34
